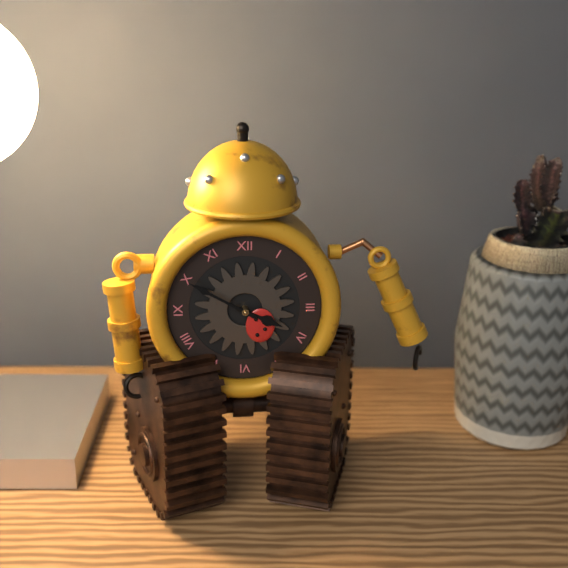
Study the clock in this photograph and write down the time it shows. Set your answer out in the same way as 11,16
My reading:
3,50
